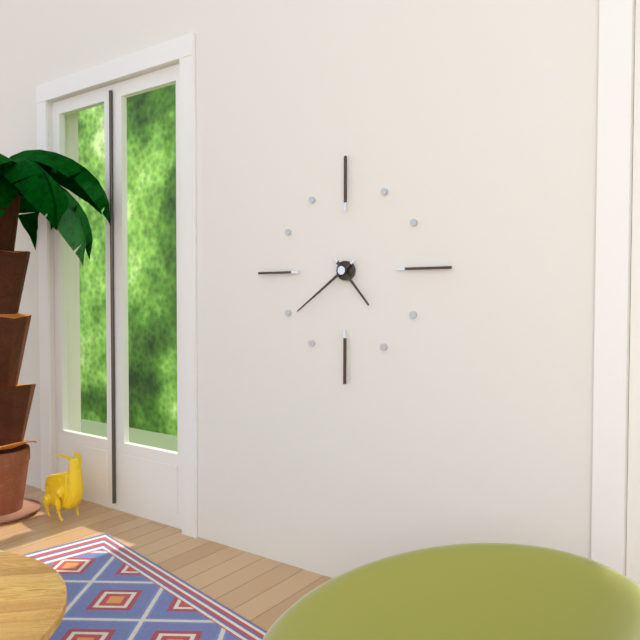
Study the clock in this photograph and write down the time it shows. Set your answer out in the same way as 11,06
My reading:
4,39
